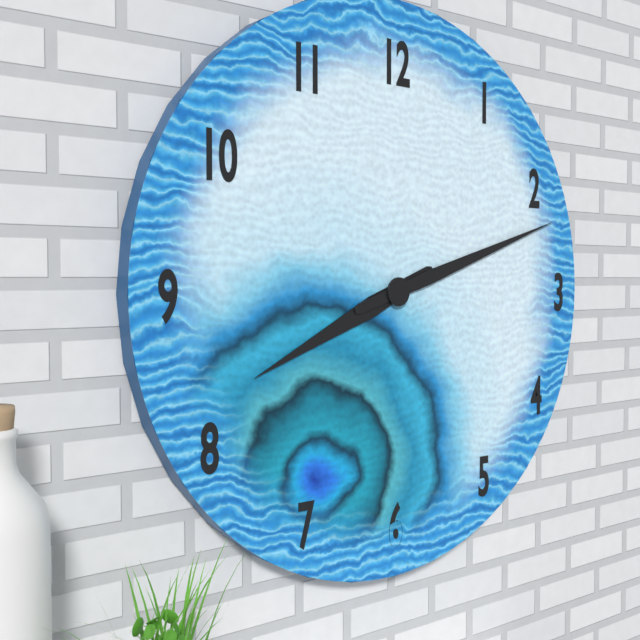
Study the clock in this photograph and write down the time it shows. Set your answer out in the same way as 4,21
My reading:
8,12
